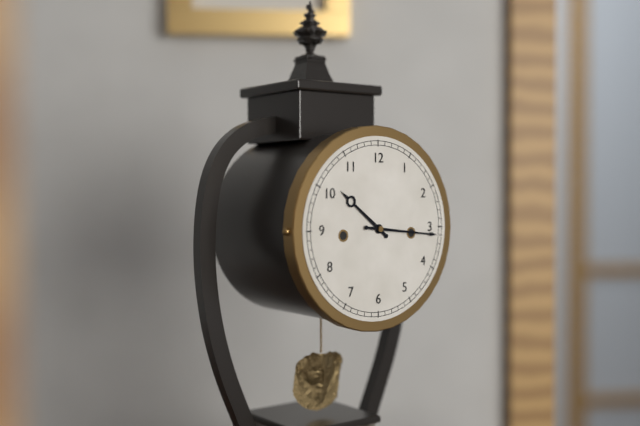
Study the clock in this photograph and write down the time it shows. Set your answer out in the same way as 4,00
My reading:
10,16
